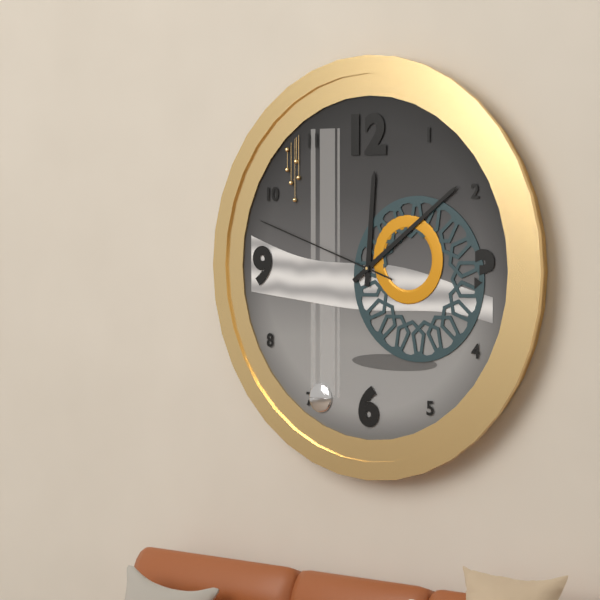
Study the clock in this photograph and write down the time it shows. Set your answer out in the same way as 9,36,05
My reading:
12,09,48
